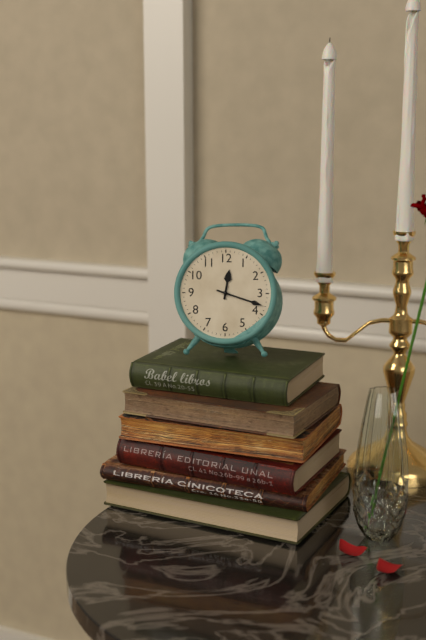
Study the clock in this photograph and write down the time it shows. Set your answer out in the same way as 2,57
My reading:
12,18
